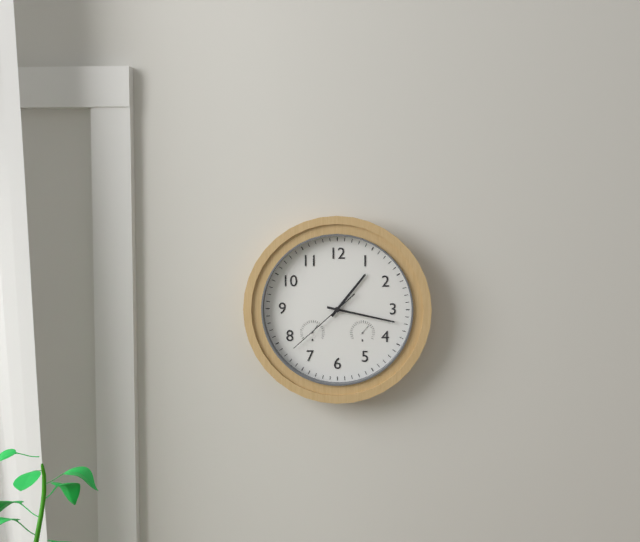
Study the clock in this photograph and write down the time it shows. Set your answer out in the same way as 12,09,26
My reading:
1,17,38
